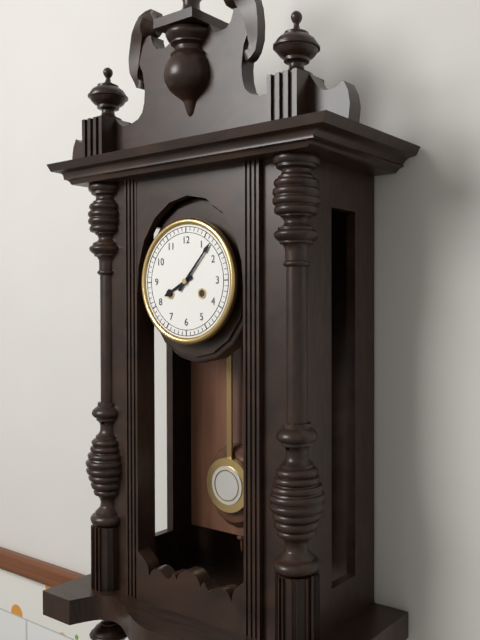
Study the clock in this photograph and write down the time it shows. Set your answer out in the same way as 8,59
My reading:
8,07
